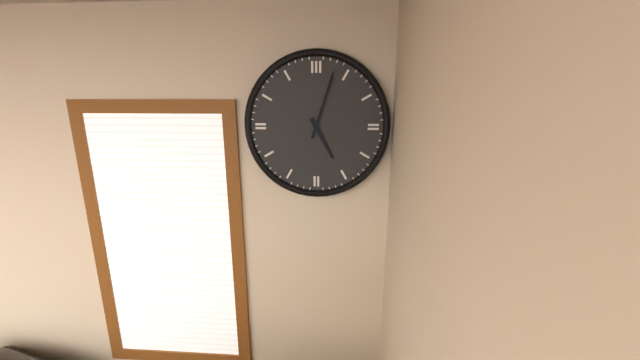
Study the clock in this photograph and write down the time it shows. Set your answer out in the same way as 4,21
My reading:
5,03
